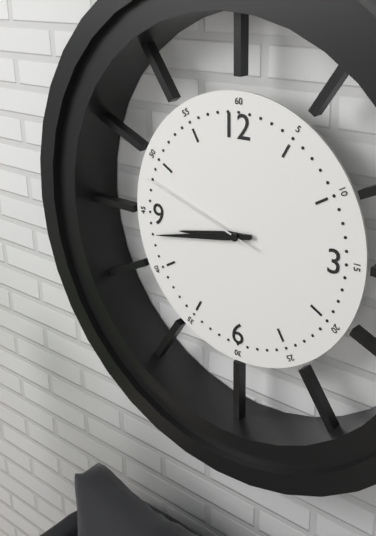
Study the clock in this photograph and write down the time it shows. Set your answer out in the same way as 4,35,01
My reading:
8,43,48
